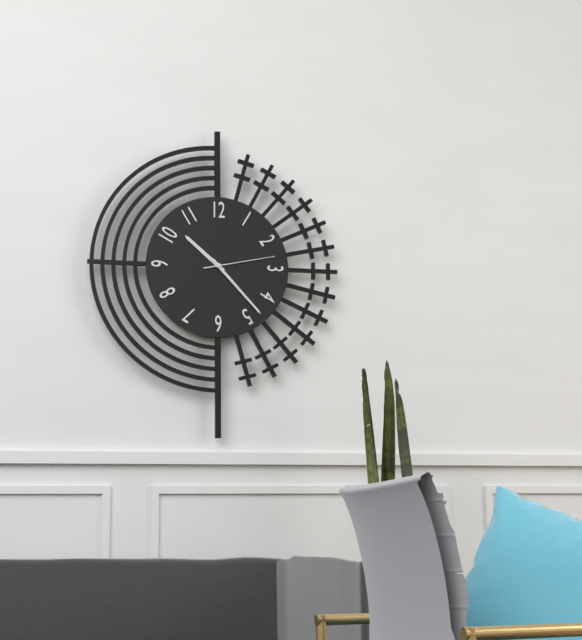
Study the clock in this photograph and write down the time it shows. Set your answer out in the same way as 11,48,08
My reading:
10,23,13
